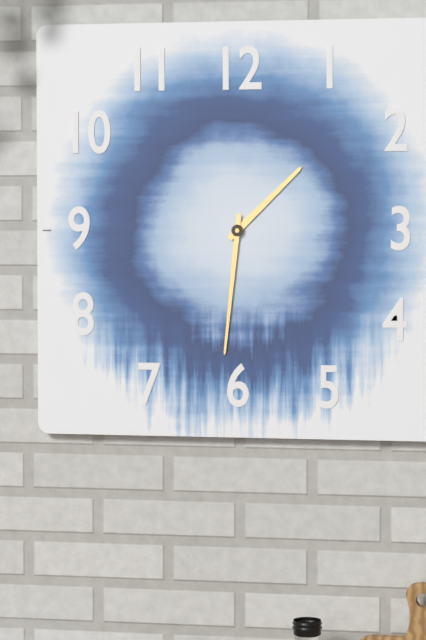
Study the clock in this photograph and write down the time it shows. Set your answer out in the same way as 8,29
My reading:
1,31
